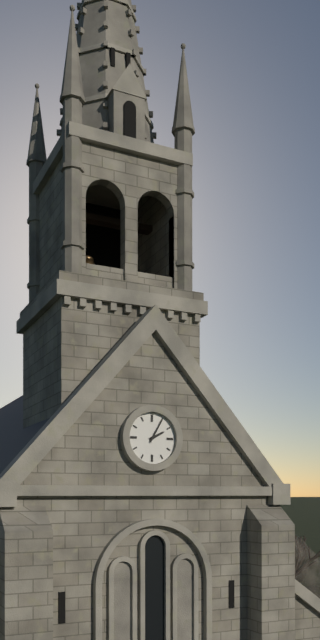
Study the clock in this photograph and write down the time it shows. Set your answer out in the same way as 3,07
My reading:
2,05
